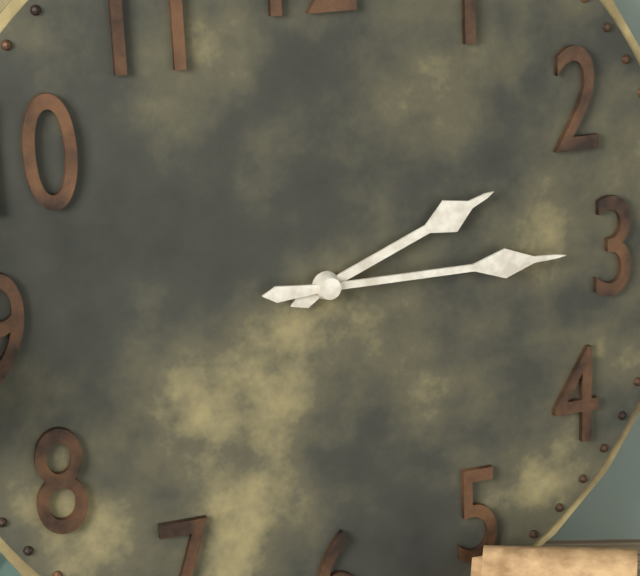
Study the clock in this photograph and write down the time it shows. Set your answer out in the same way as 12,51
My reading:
2,15
